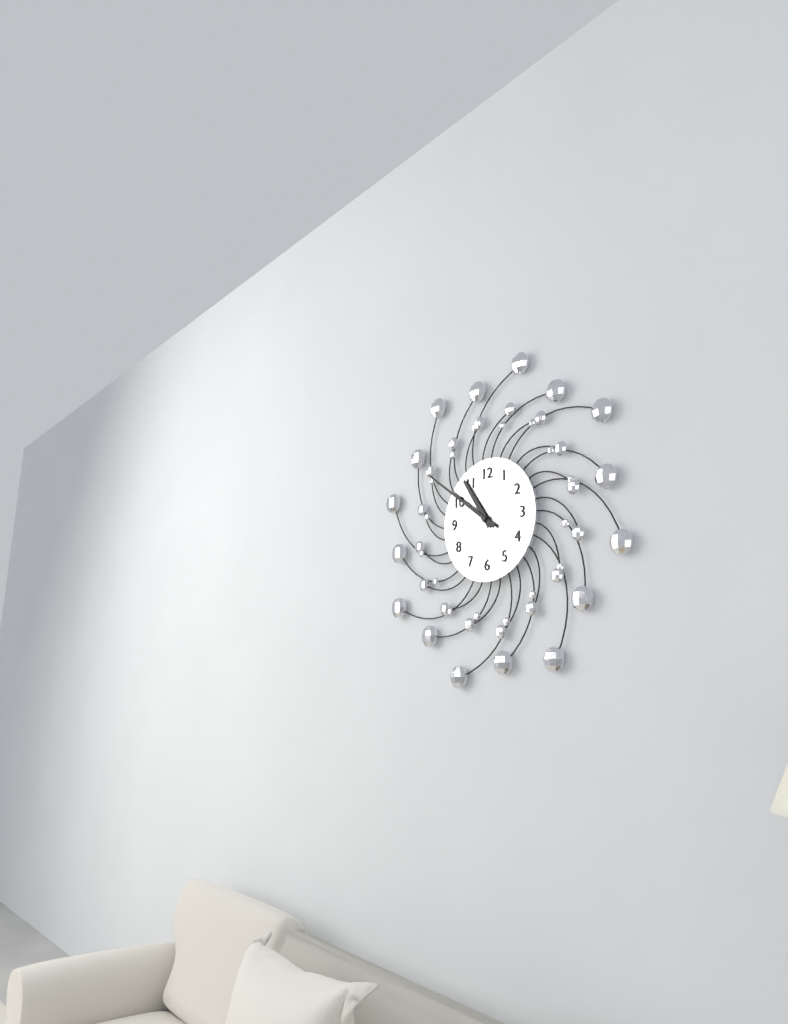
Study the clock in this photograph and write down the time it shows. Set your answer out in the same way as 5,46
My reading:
10,51
